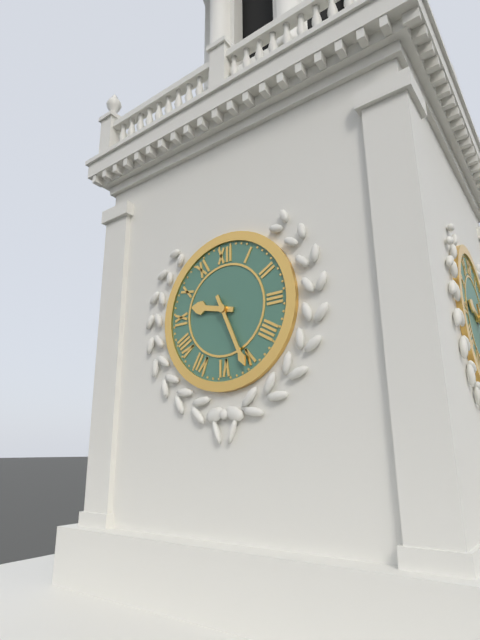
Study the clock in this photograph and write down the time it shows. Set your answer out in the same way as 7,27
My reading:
9,26
